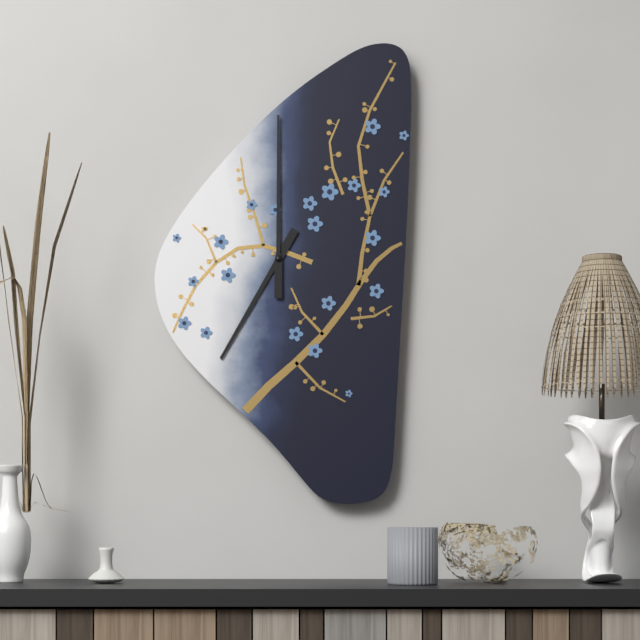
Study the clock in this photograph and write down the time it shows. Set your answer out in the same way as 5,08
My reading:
7,00
